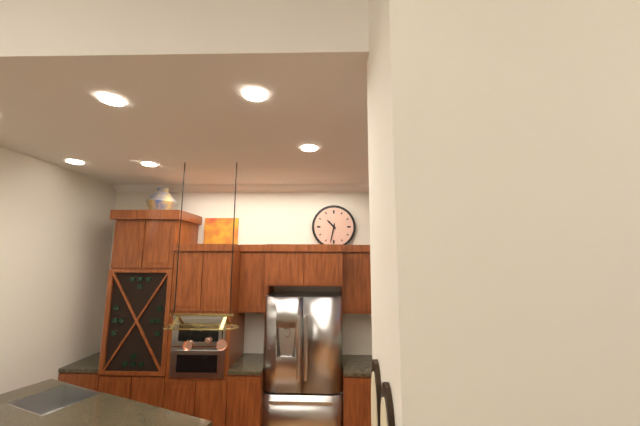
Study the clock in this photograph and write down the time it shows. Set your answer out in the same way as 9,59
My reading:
10,32
